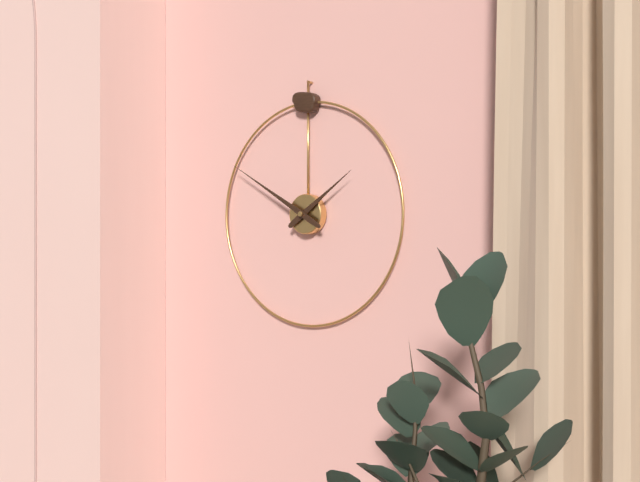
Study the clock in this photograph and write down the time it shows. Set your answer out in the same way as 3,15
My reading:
1,50
